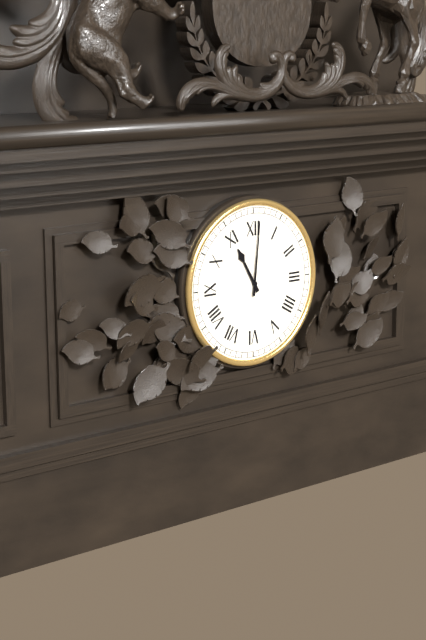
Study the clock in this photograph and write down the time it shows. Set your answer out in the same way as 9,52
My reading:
11,01
